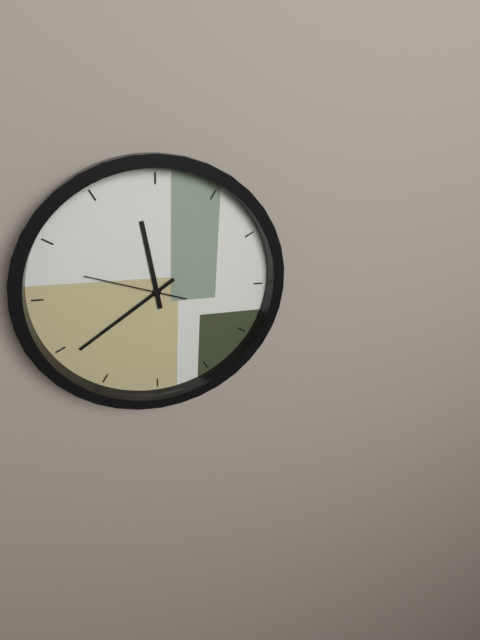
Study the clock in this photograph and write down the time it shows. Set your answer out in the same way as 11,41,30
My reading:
11,39,48
